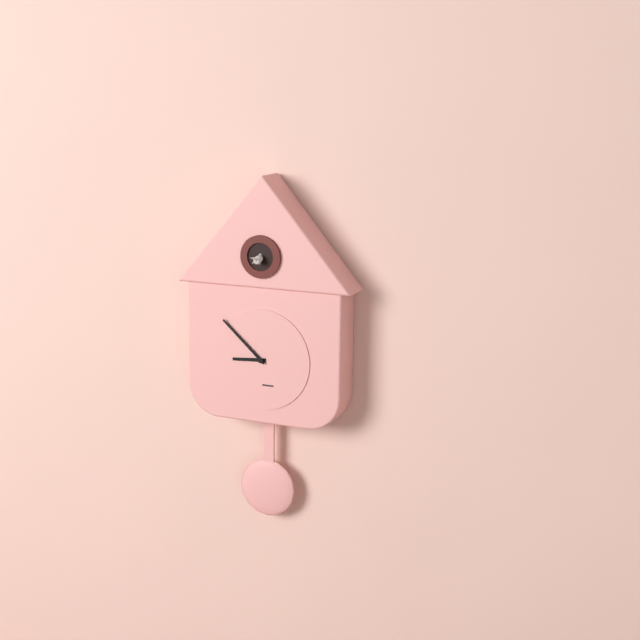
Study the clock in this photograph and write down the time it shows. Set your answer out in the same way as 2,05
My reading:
8,52
